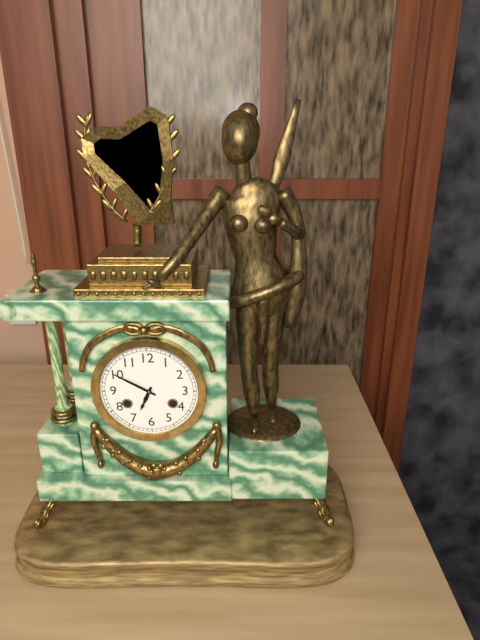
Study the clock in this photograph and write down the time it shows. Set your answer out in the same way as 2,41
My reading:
6,50
